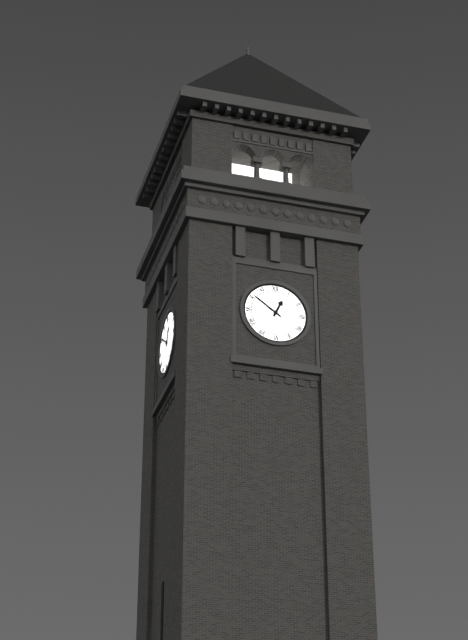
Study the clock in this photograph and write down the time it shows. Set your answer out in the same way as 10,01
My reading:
12,51
